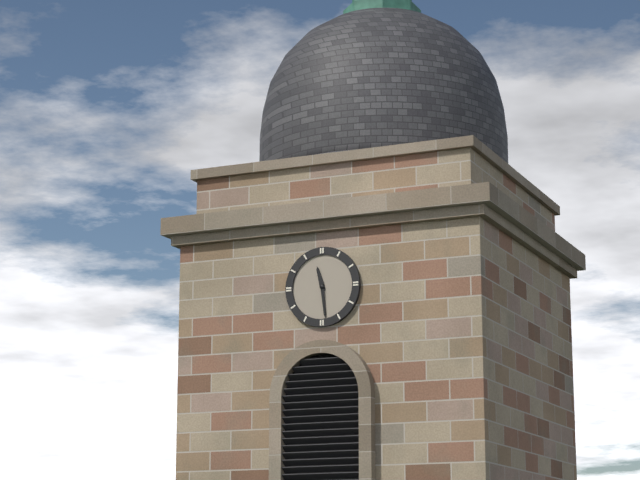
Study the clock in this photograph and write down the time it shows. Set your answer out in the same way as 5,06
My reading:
11,29
